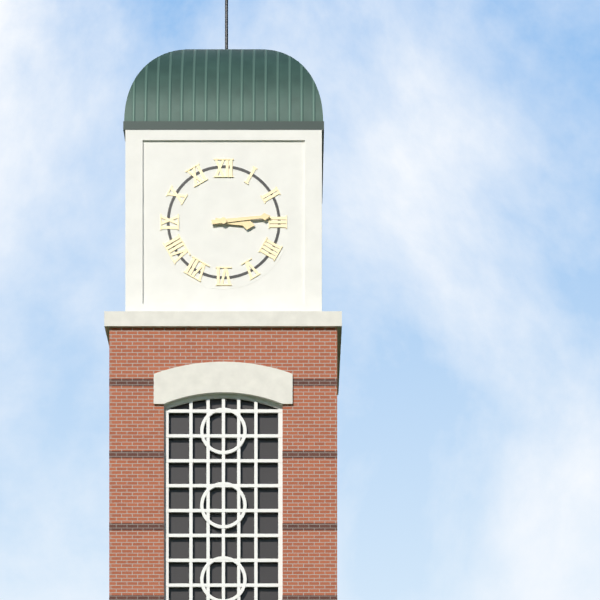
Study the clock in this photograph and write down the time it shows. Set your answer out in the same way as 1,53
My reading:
3,14
